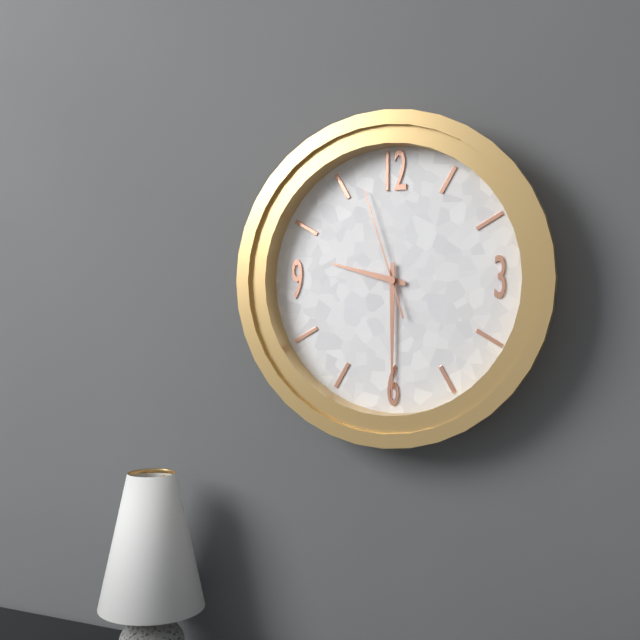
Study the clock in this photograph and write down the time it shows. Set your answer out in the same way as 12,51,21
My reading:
9,30,57
